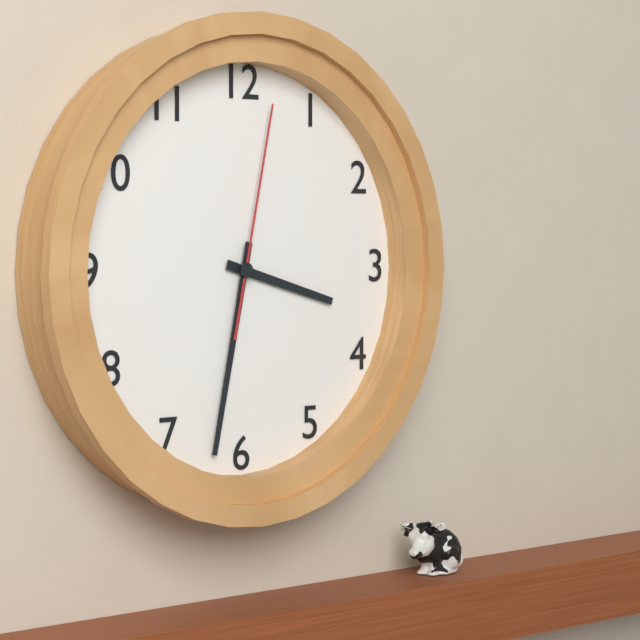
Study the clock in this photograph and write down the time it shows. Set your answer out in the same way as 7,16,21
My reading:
3,32,02
